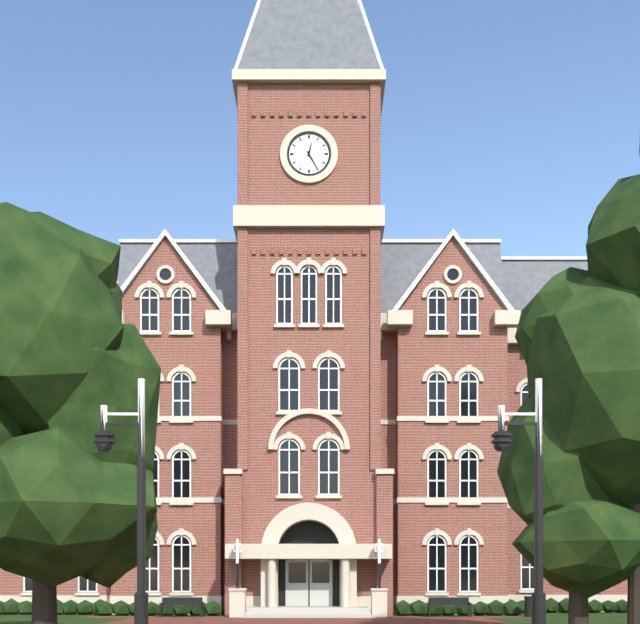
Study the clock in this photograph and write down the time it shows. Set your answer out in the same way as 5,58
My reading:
12,25
